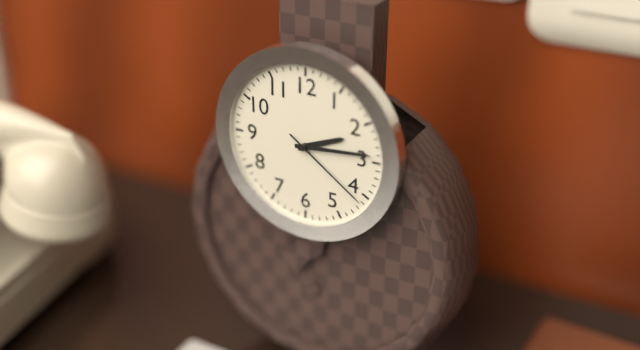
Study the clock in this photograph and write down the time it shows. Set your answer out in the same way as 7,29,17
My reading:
2,14,21
